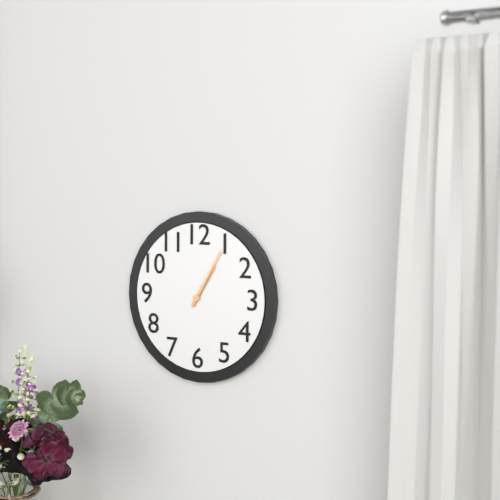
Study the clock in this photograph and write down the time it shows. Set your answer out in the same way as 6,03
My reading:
1,05
